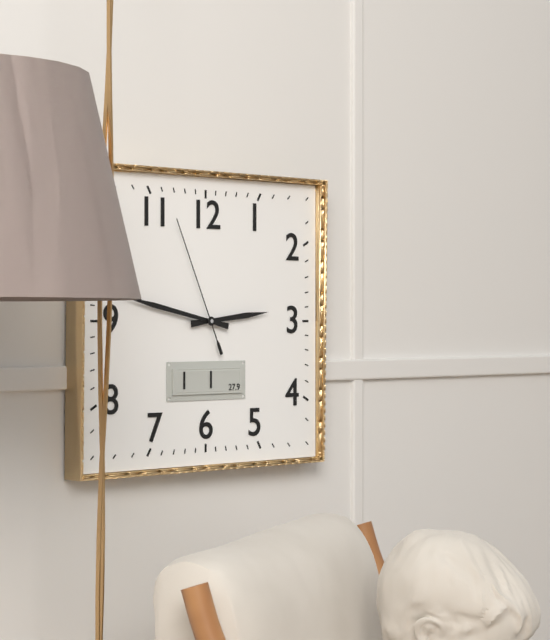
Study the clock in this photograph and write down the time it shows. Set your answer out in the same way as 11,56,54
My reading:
2,47,56
